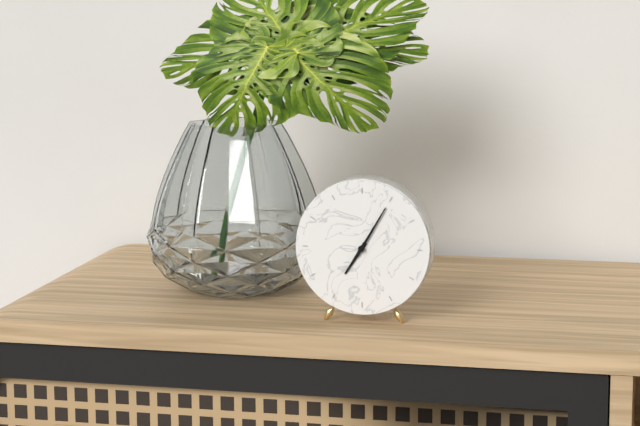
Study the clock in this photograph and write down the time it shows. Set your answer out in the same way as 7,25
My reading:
7,05
